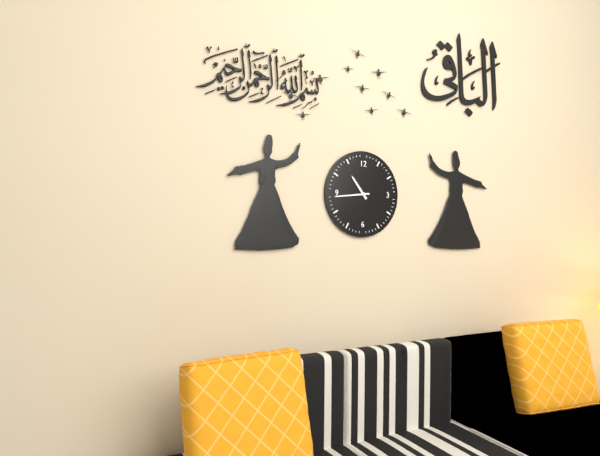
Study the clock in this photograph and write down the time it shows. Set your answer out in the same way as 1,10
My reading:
10,44
